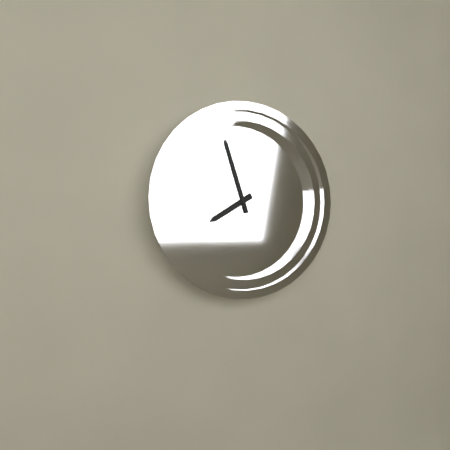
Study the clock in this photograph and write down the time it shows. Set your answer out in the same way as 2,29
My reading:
7,57
